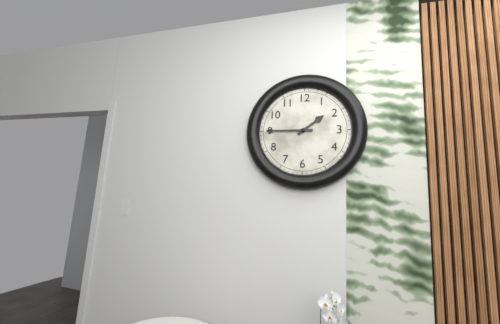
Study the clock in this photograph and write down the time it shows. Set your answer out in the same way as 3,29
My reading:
1,45
